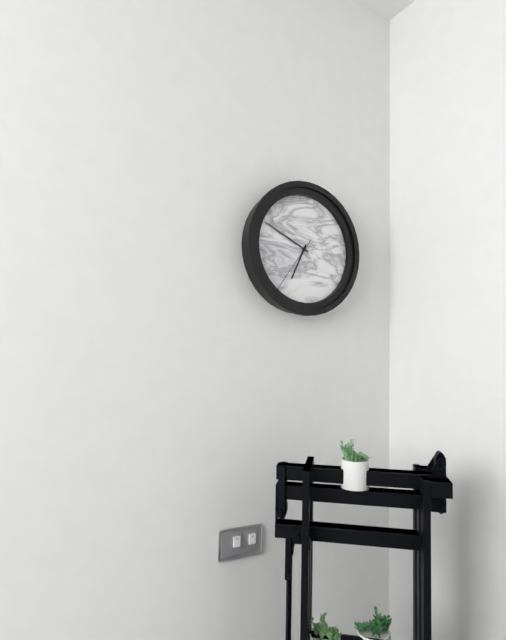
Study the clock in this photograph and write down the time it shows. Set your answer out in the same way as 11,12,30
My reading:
6,49,36
